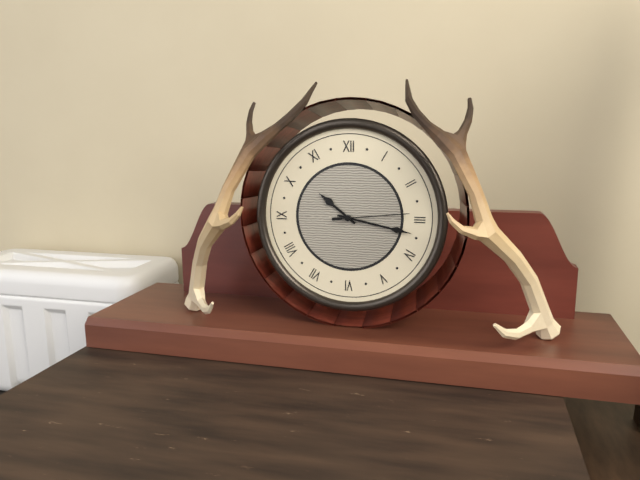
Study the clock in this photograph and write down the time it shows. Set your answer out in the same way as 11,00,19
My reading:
10,17,14
